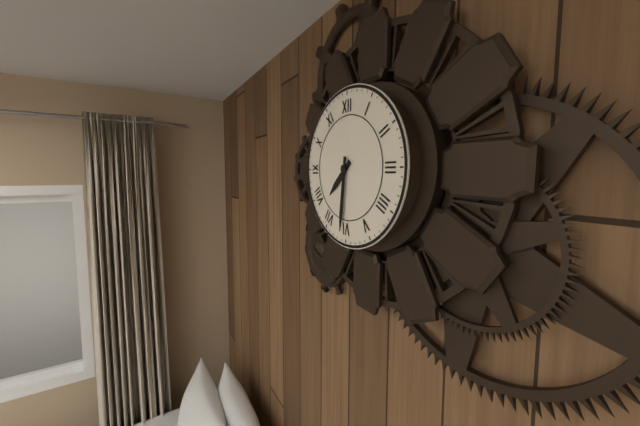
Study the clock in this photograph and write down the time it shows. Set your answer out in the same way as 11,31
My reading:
7,31
